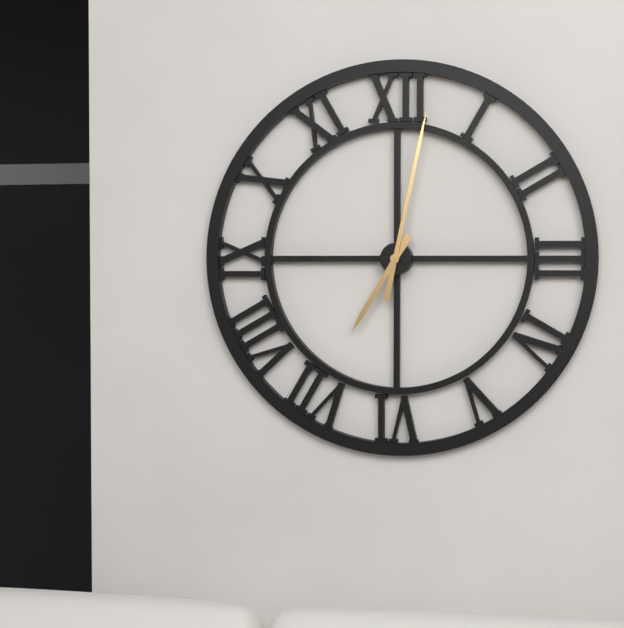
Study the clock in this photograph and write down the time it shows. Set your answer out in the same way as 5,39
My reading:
7,02
